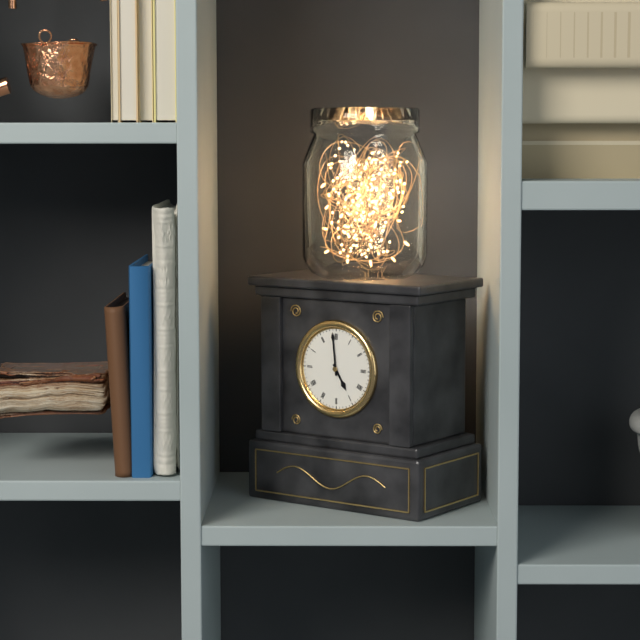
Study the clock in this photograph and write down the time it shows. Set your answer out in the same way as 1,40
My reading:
4,59
